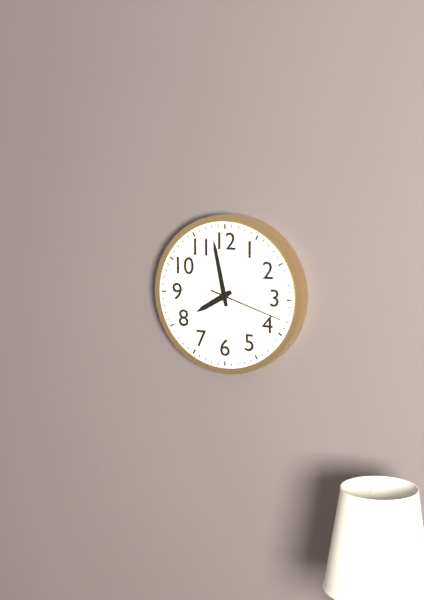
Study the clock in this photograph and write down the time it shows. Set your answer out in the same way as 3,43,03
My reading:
7,58,18
